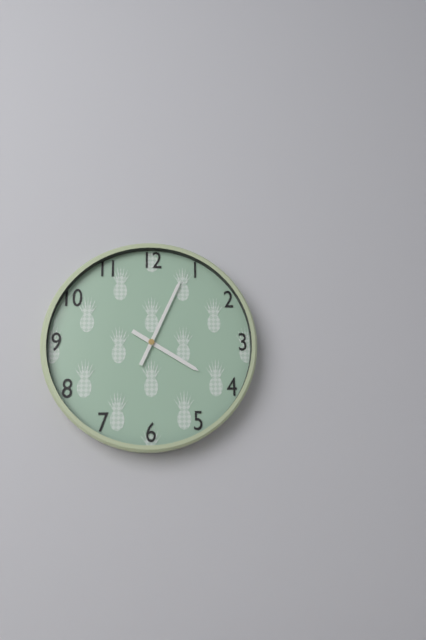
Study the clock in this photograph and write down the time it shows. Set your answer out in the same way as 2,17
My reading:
4,04
